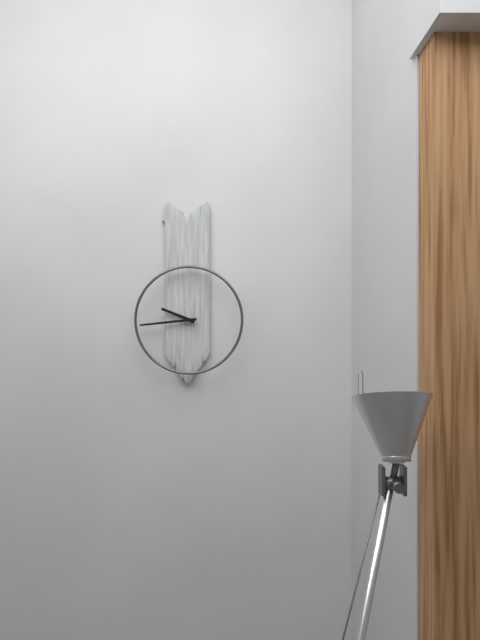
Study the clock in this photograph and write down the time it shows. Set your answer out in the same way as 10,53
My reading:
9,44
